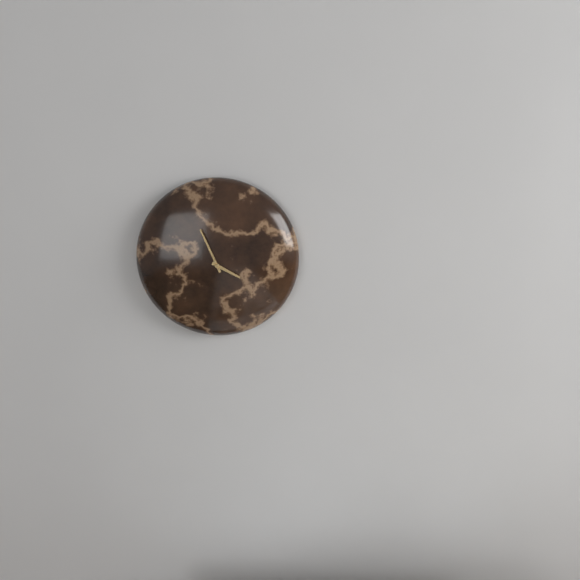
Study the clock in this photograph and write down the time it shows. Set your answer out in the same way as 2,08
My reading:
3,56
